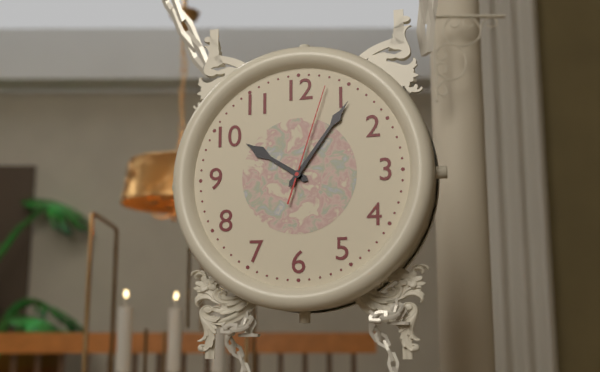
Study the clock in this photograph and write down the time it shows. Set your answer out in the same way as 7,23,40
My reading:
10,06,03
